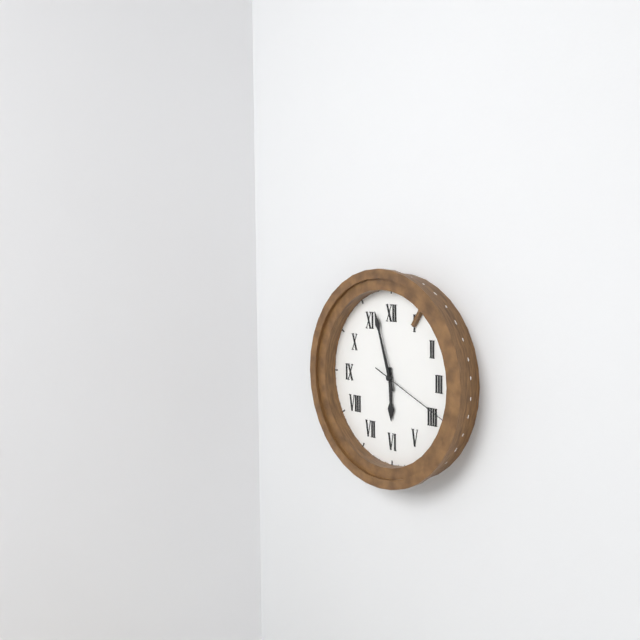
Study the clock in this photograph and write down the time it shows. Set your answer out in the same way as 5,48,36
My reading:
5,57,19
